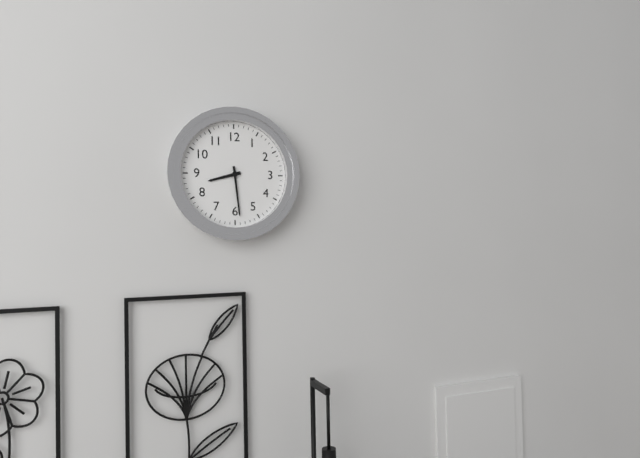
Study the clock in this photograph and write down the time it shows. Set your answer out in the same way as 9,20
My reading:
8,29
